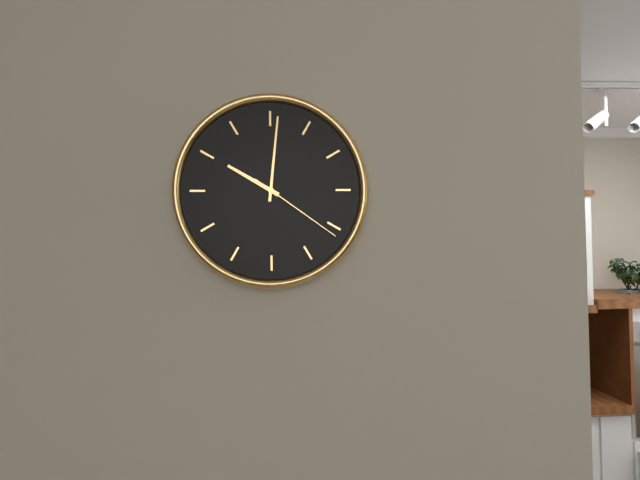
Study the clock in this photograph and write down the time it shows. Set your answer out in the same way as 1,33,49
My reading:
10,01,21
